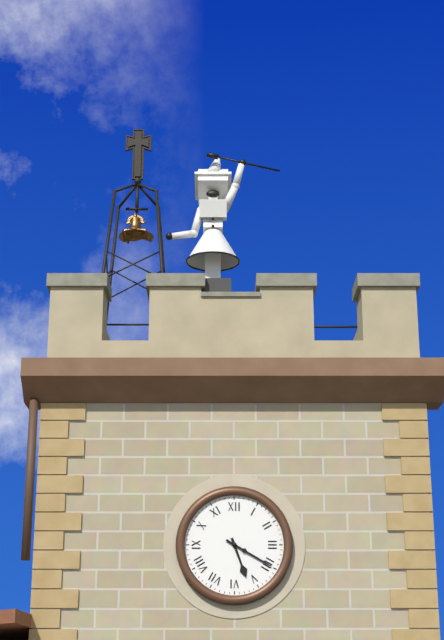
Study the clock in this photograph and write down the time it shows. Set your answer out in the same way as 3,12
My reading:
5,20
